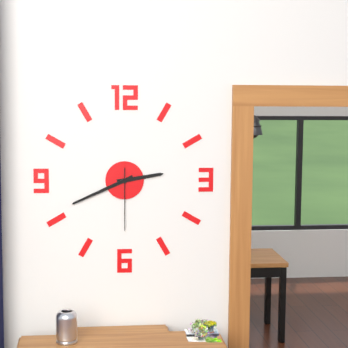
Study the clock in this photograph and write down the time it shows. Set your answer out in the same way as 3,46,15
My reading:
2,41,30
